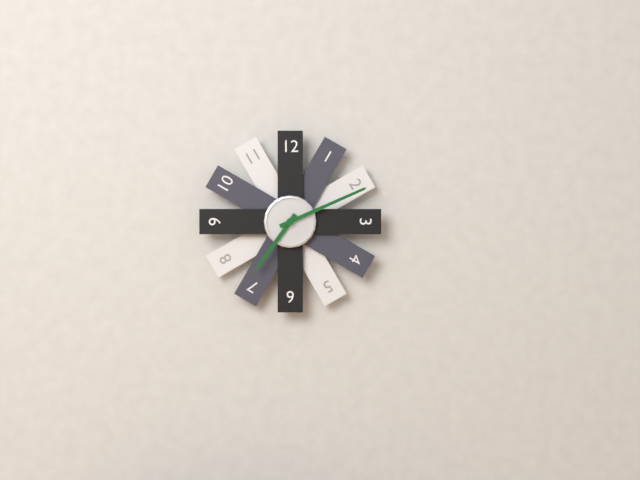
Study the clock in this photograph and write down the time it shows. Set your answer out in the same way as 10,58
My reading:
7,11
